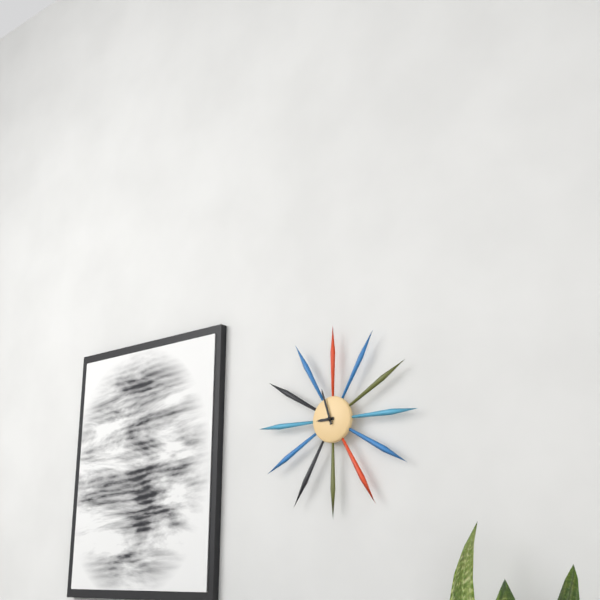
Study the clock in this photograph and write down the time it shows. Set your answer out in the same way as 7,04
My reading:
8,57
